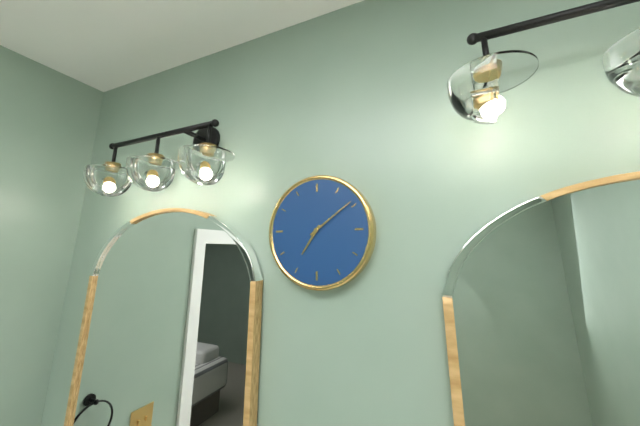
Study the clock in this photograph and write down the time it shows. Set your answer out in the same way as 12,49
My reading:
7,09
